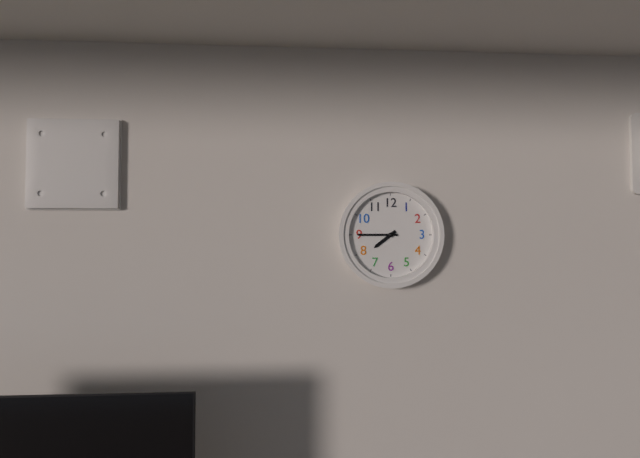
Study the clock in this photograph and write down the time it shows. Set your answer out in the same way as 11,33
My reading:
7,45
